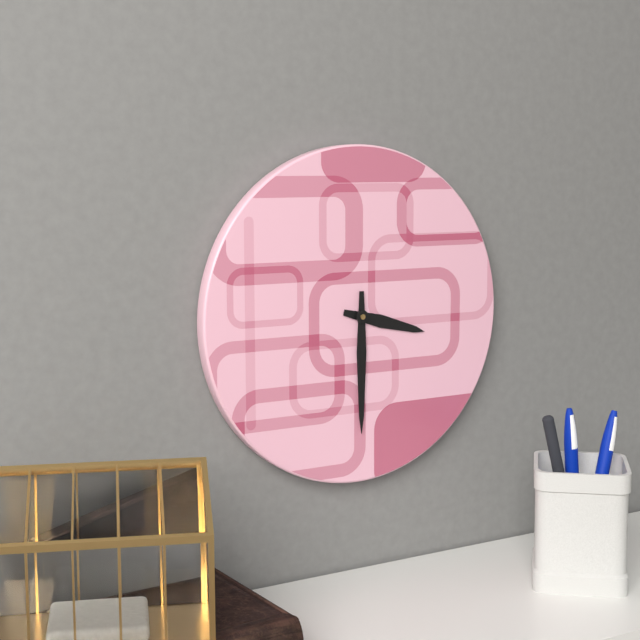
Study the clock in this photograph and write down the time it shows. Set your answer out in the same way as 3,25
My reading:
3,30
